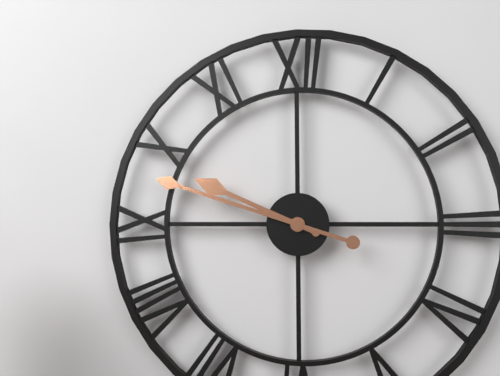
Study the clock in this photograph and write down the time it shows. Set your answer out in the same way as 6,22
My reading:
9,48
